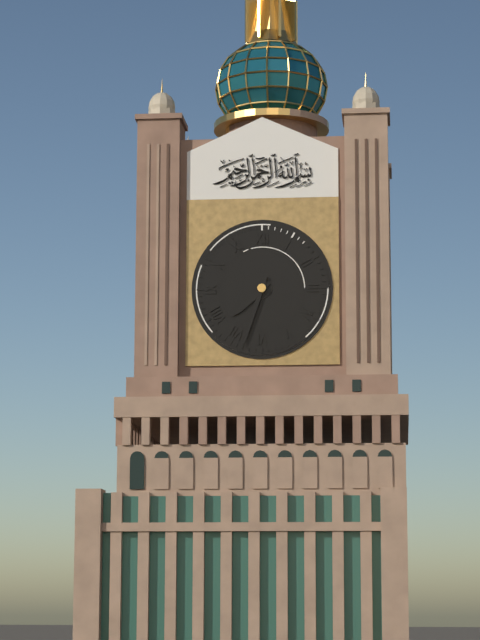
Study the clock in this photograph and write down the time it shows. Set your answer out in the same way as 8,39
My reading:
7,33
